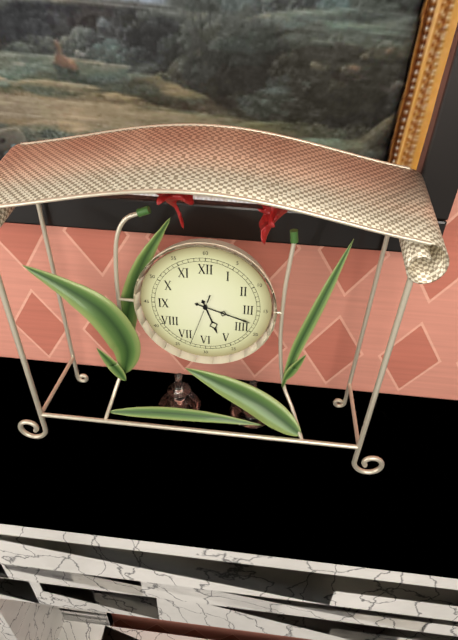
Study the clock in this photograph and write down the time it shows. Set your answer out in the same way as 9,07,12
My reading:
5,18,33
